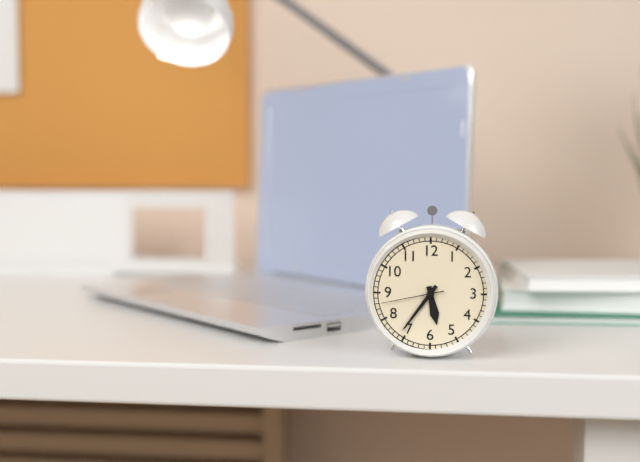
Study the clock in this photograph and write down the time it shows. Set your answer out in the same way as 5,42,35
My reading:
5,36,43
